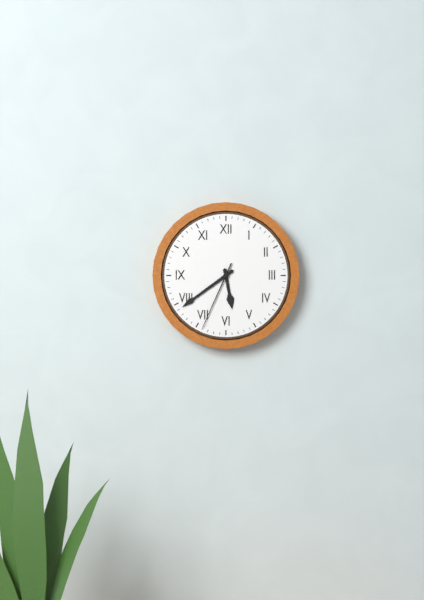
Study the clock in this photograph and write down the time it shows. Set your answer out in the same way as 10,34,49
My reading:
5,39,34
